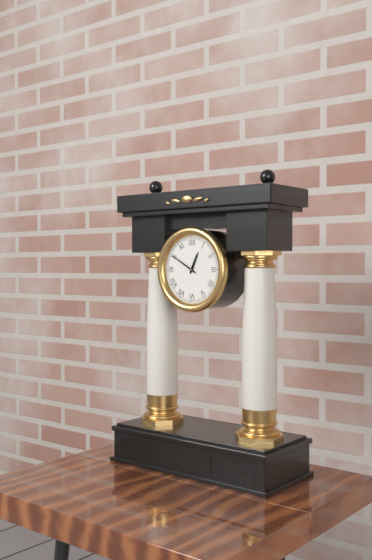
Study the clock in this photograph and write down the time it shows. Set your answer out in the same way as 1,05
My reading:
12,50
